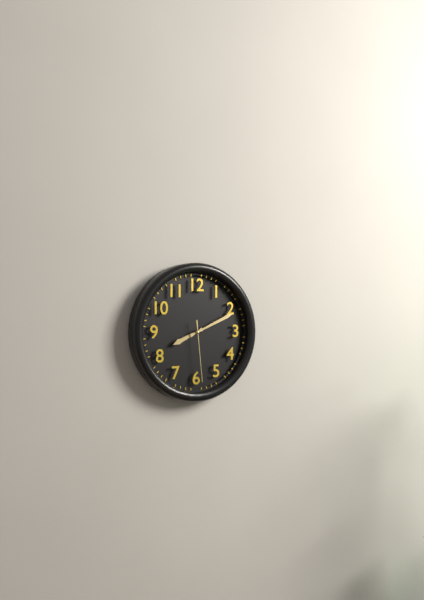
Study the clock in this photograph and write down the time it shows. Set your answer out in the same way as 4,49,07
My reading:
8,11,29
